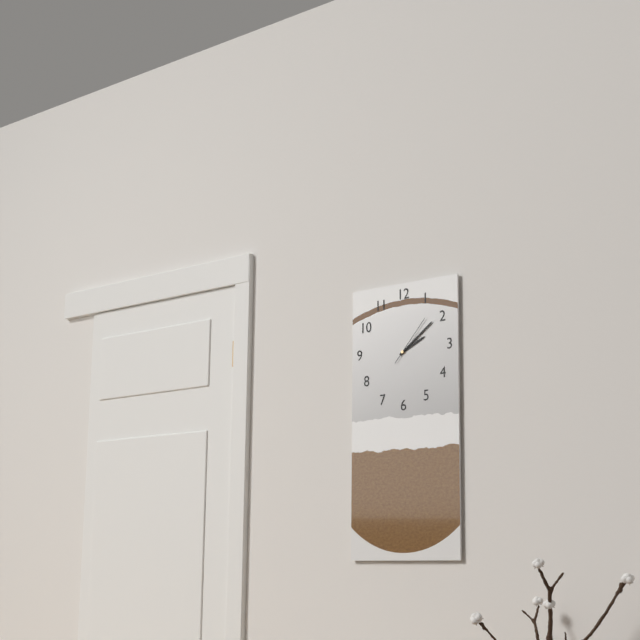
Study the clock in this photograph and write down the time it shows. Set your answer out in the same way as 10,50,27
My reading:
2,09,07
